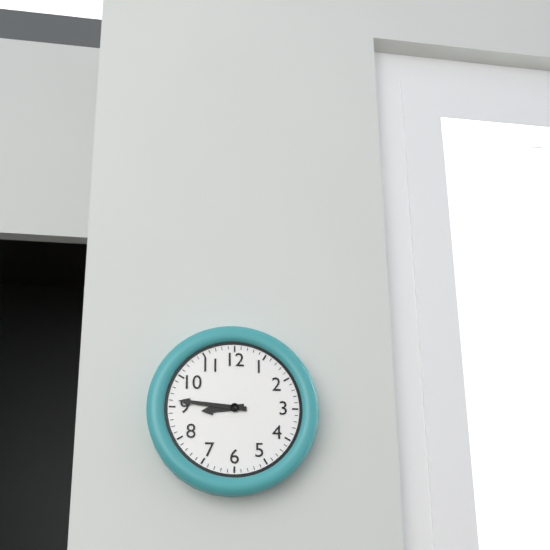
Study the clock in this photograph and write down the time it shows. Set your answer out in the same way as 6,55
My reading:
8,46
